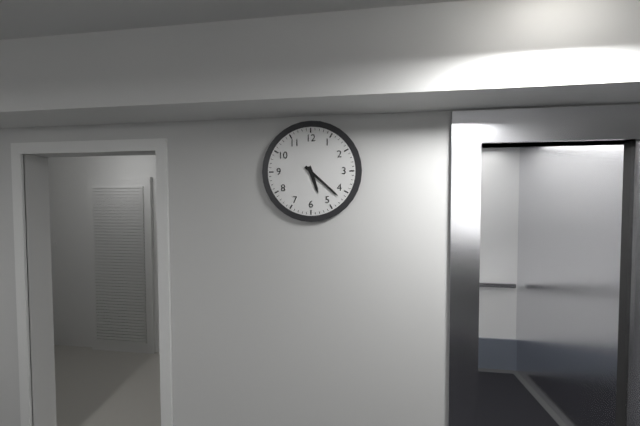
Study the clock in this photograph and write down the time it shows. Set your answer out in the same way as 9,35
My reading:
5,22
